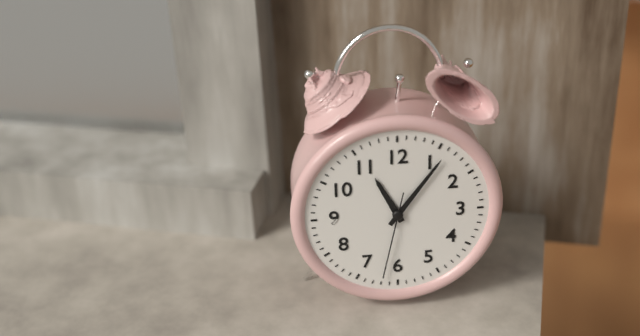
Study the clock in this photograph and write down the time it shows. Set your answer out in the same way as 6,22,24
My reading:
11,06,32
